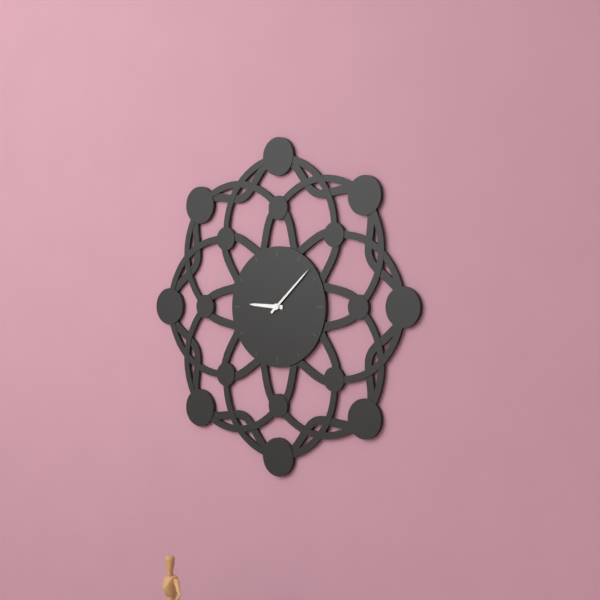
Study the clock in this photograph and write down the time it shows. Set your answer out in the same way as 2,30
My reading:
9,08
